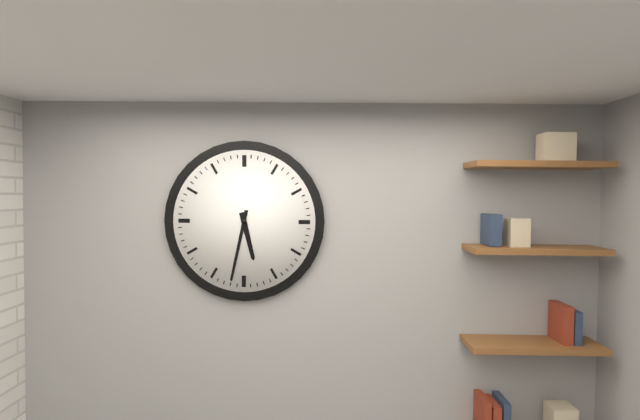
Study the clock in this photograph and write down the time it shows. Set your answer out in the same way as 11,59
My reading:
5,32
